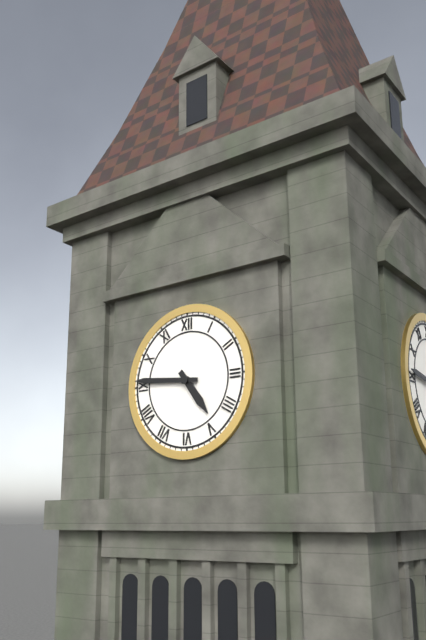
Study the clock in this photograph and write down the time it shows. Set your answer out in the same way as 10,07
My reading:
4,46
